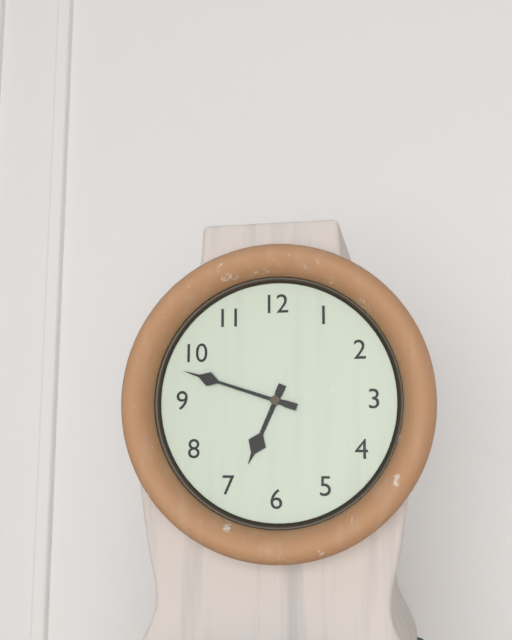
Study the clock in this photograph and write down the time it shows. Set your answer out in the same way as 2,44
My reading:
6,48
